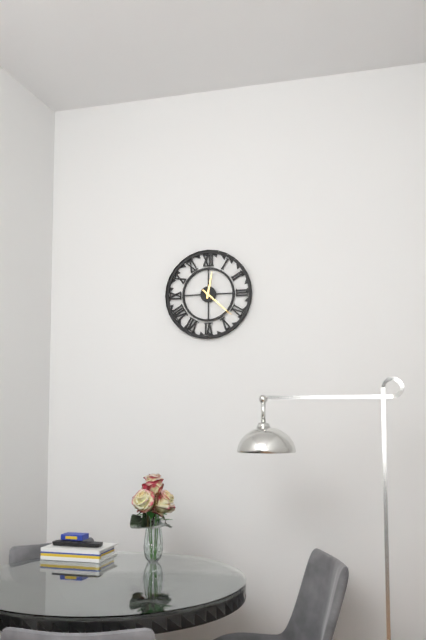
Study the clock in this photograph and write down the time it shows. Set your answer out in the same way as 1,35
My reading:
12,22
